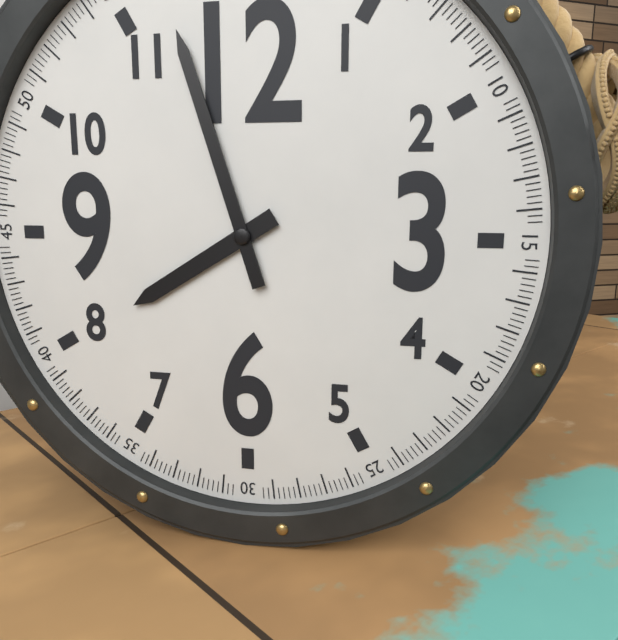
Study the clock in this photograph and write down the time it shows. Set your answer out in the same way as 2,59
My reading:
7,57
